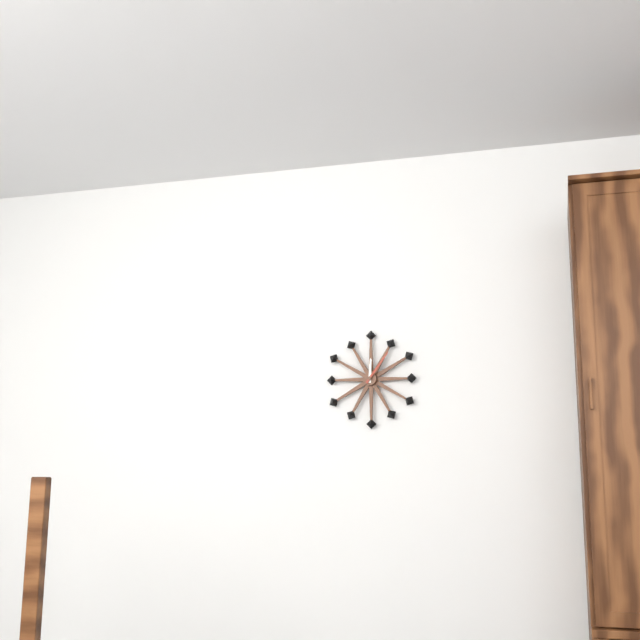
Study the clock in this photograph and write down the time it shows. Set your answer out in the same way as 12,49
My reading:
12,06
